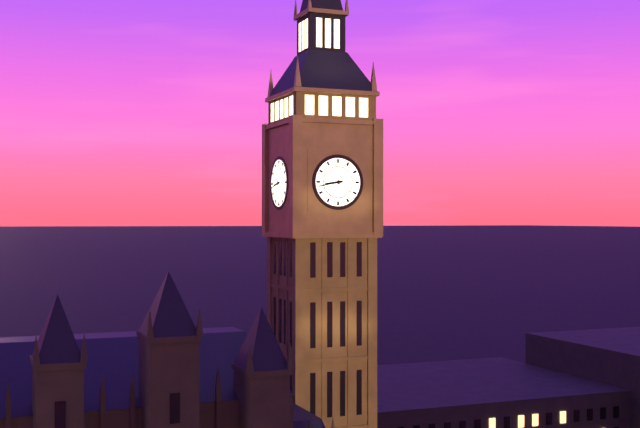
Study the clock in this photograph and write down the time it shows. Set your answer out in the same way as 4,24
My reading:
8,43
